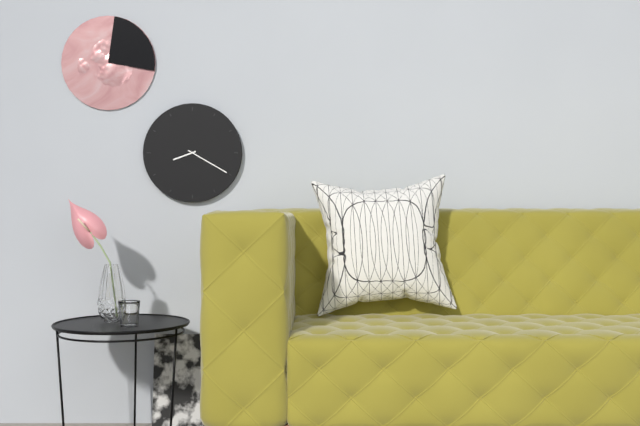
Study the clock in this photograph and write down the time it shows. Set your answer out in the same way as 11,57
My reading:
8,20
